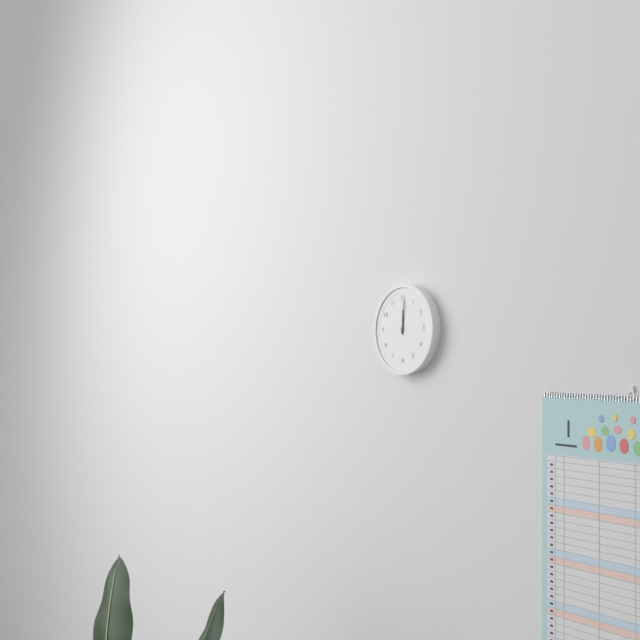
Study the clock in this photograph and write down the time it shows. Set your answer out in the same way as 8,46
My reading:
12,01
